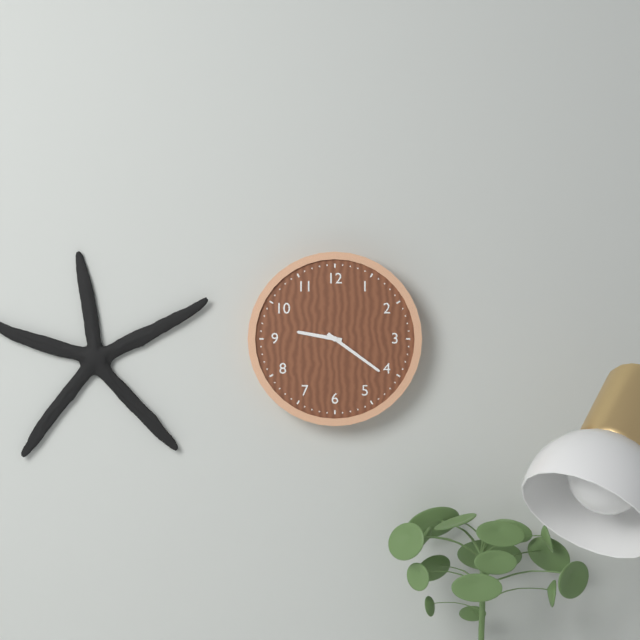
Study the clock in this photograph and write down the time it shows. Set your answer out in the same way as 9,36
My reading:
9,21
